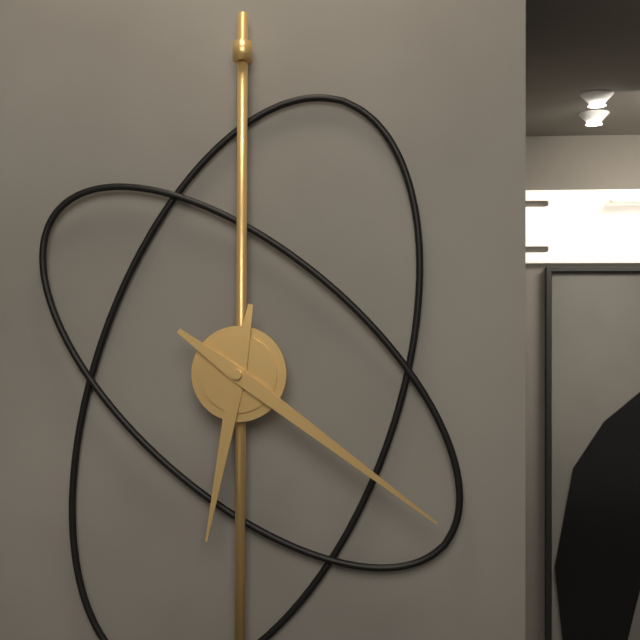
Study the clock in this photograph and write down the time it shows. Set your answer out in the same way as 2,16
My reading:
6,21
